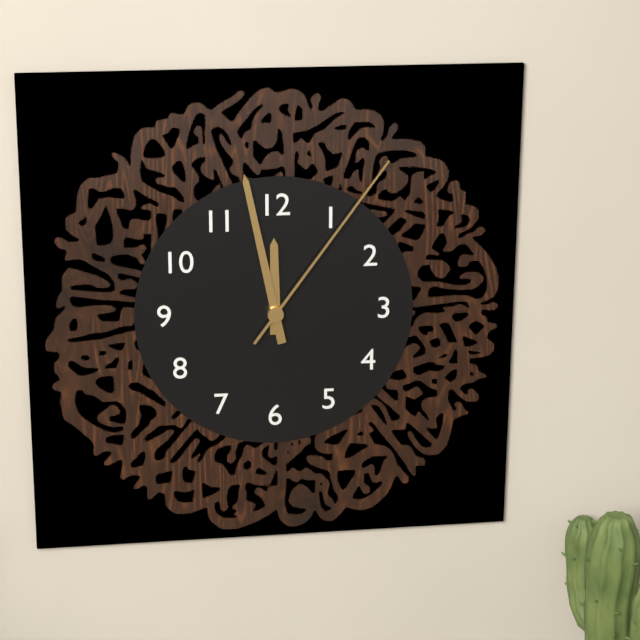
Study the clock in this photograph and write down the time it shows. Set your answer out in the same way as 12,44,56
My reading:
11,58,06
